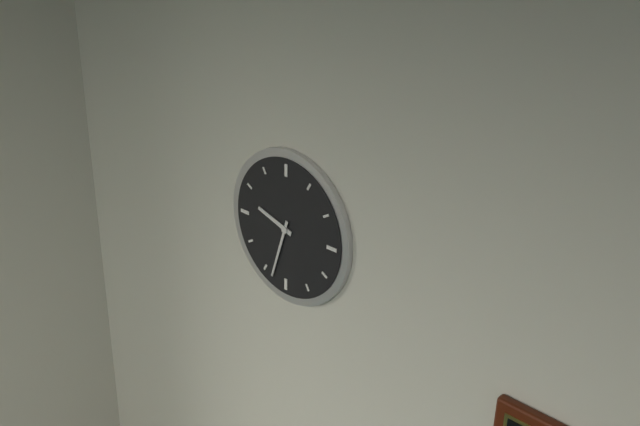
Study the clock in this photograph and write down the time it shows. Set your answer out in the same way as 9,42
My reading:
9,33
